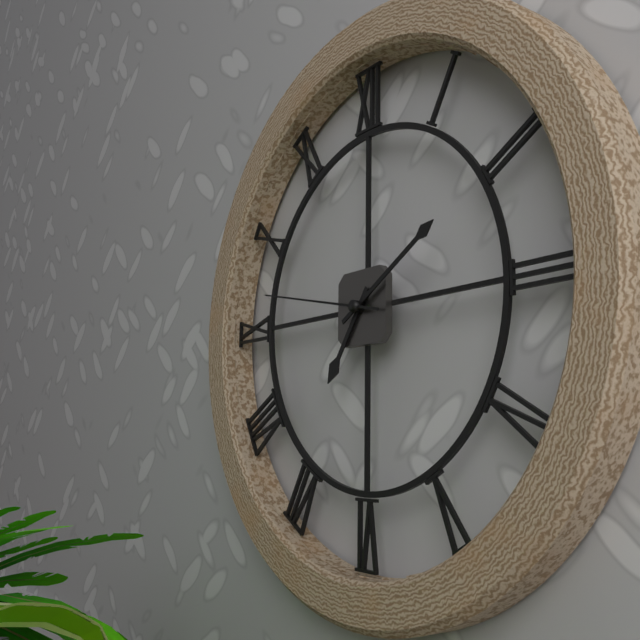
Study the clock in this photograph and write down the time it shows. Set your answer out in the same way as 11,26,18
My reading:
7,10,47
